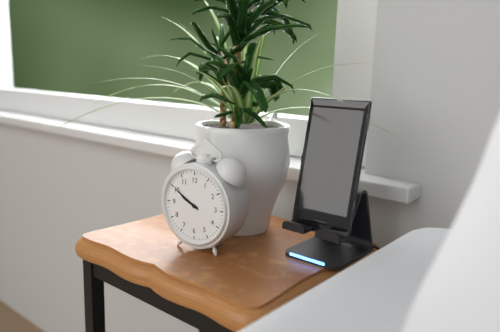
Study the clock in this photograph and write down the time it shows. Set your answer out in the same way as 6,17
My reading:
9,50
